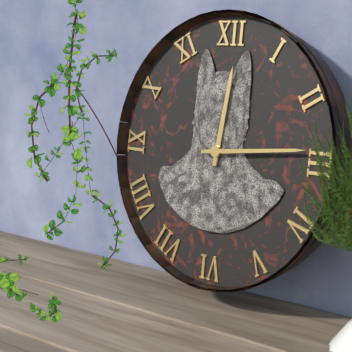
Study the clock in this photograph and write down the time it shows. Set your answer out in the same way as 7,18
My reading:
12,14
